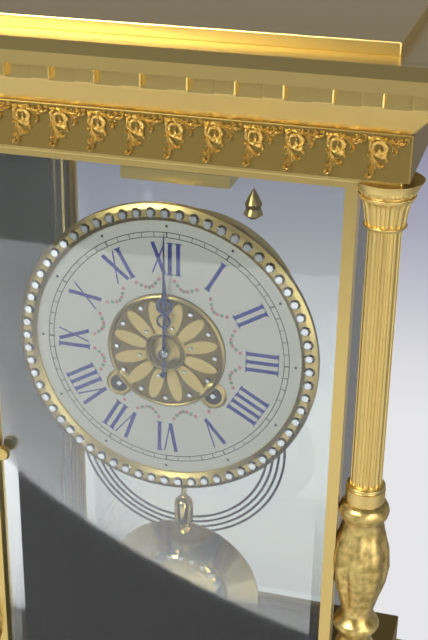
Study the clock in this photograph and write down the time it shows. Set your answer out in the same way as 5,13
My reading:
12,00
